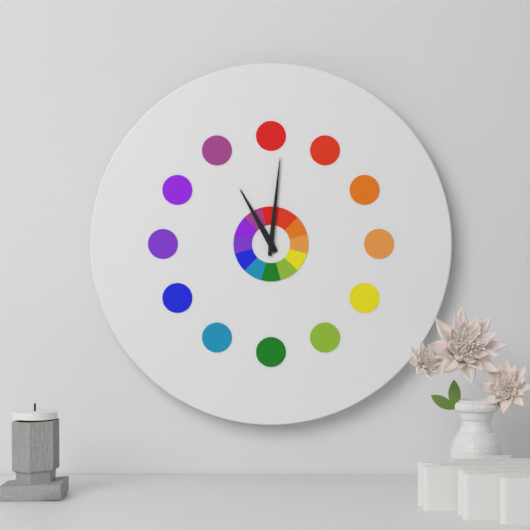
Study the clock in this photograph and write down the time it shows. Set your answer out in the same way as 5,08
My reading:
11,01
